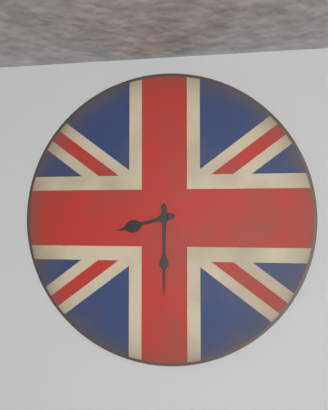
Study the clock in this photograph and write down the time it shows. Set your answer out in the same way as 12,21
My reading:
8,30
